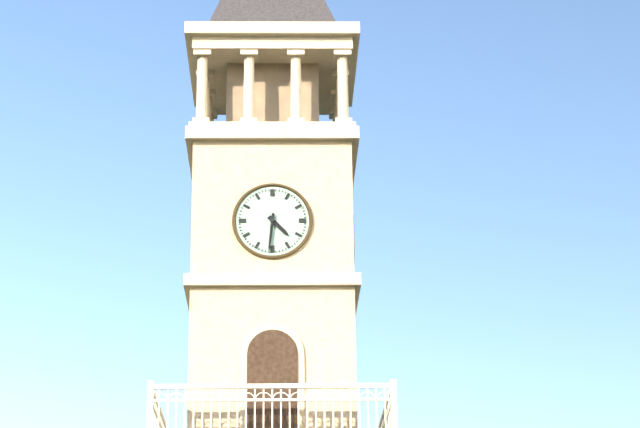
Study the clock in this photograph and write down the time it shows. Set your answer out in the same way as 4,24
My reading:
4,31
